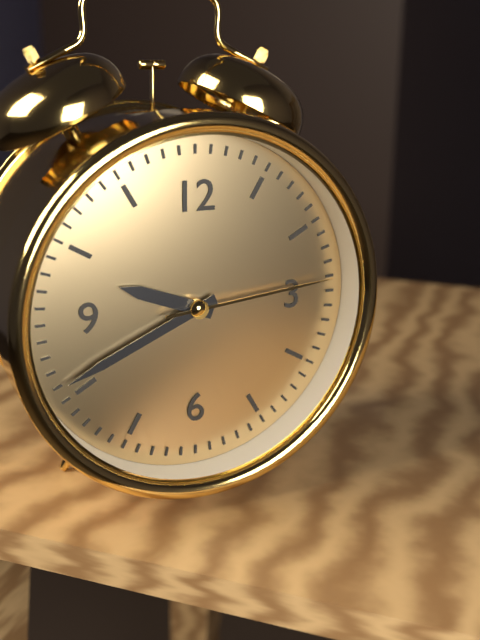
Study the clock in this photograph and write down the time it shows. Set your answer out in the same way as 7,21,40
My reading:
9,41,14
